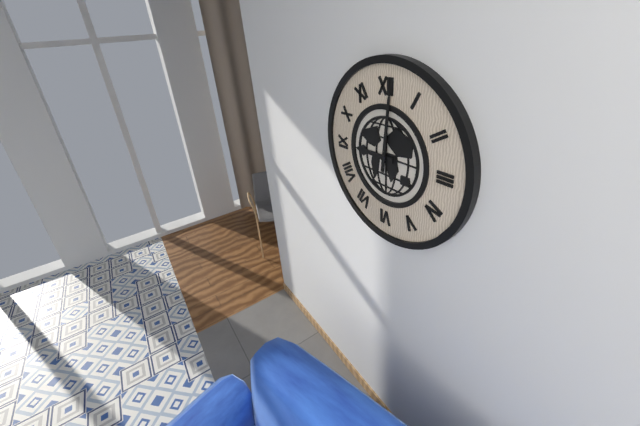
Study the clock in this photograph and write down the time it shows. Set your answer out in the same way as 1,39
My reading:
9,01
